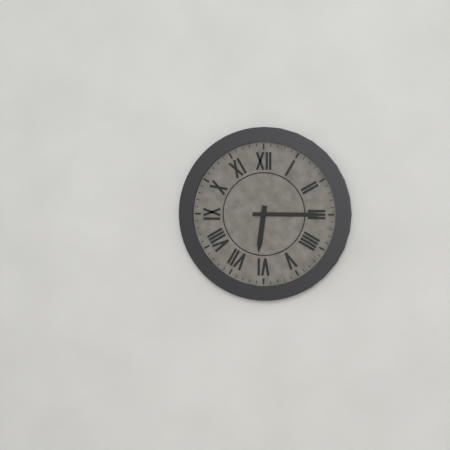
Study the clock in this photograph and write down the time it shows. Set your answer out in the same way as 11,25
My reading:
6,15
